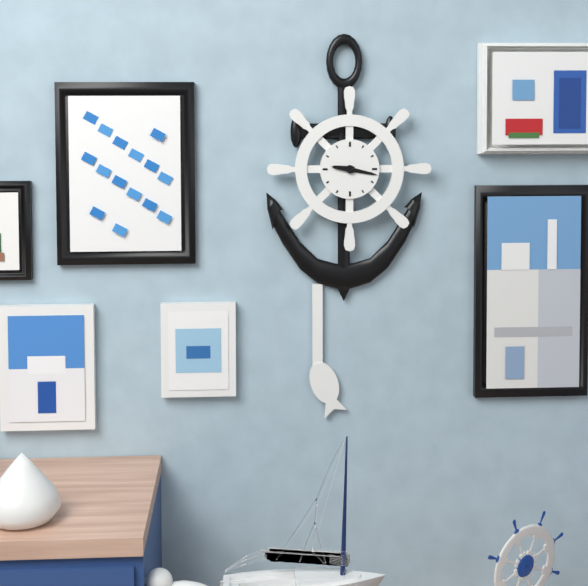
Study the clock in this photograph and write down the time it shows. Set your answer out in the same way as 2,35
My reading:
9,17
